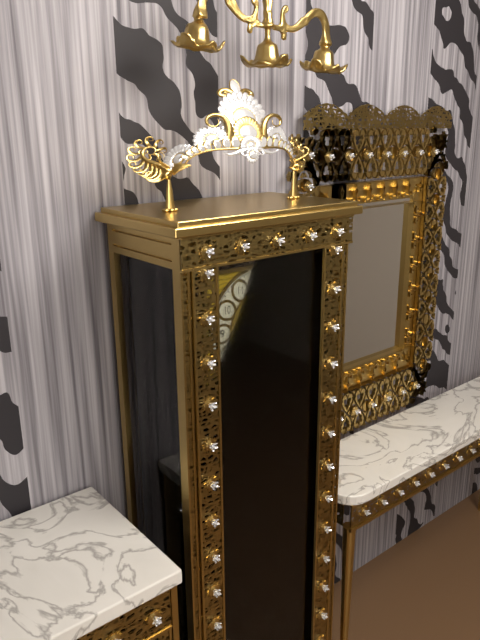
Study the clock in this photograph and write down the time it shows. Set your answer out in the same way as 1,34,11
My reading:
7,04,11
